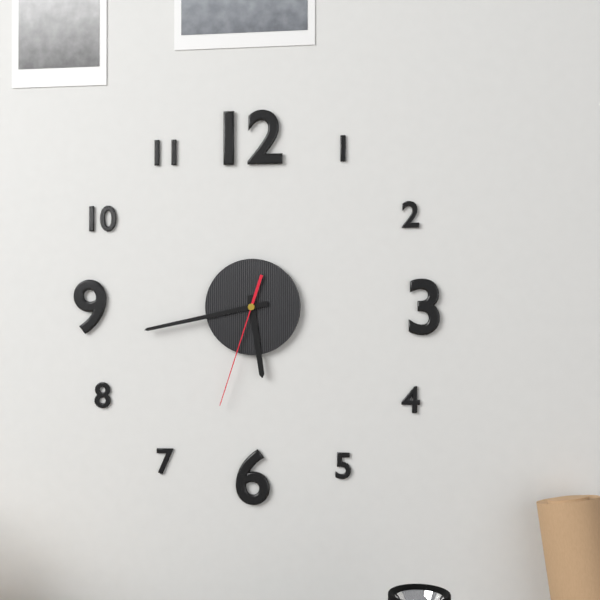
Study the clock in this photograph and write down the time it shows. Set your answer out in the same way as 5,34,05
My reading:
5,43,33
